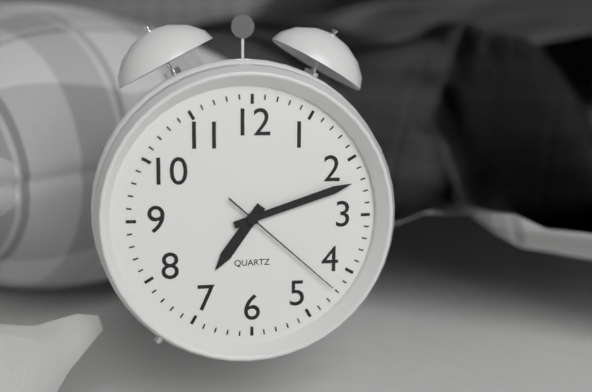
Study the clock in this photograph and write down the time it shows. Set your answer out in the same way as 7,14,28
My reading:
7,12,22
